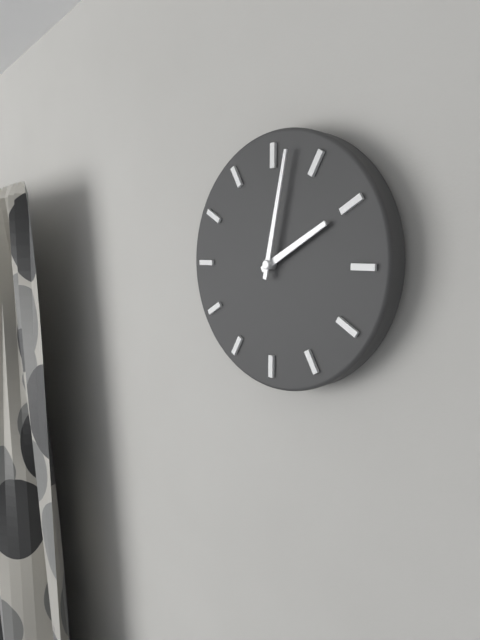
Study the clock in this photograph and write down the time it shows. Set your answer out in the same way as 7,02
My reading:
2,02
